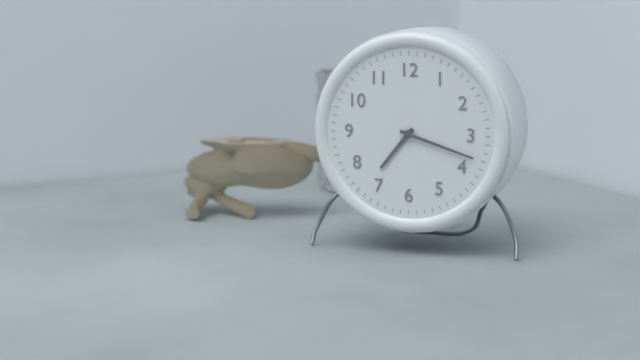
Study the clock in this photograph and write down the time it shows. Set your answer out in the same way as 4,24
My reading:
7,18
